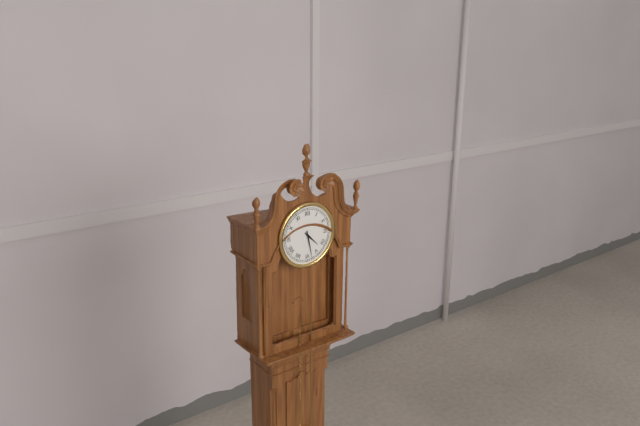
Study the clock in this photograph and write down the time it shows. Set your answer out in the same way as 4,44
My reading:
4,28
